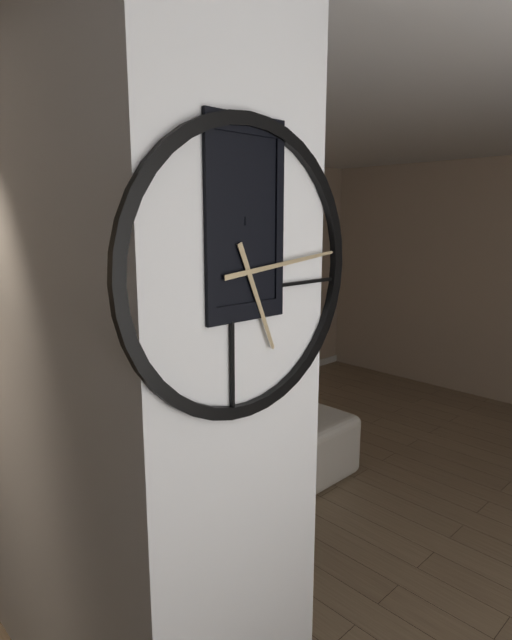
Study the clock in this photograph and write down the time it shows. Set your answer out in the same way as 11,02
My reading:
5,14
